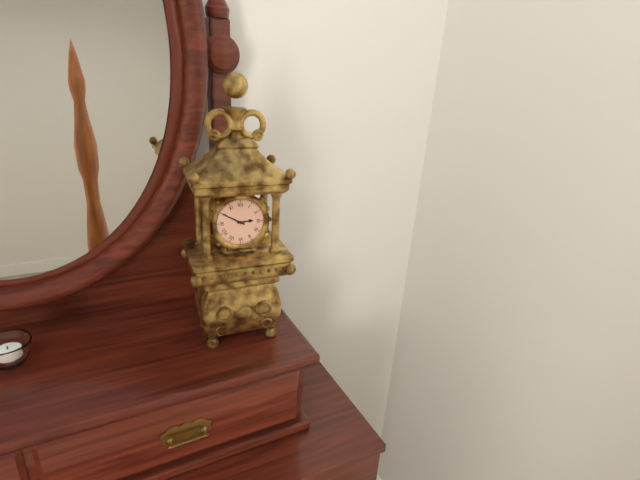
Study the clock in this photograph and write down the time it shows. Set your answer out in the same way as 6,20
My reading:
2,50
